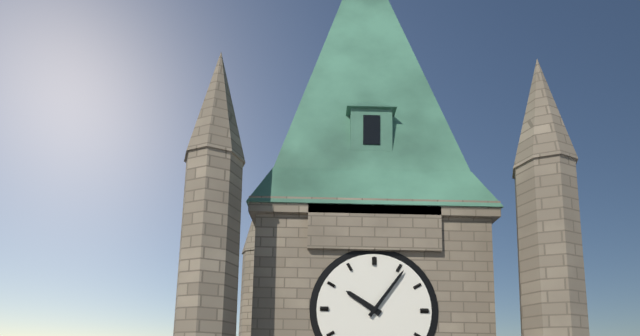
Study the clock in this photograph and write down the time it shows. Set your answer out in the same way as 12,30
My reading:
10,06
